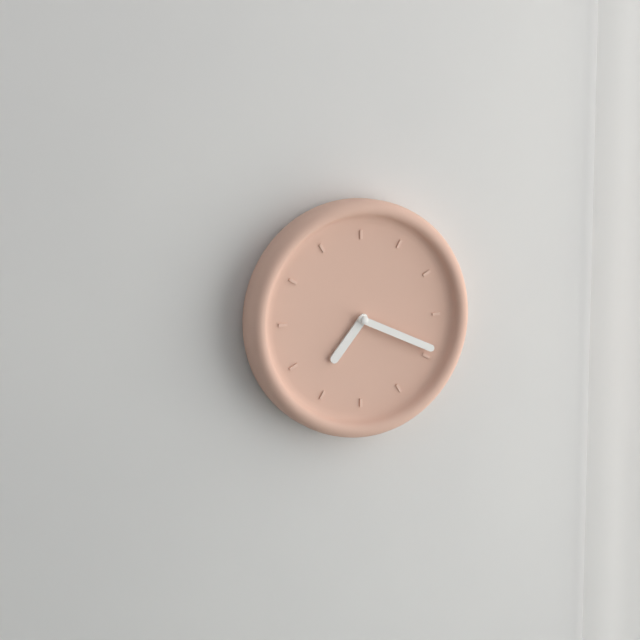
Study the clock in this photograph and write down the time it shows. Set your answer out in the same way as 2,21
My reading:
7,19
